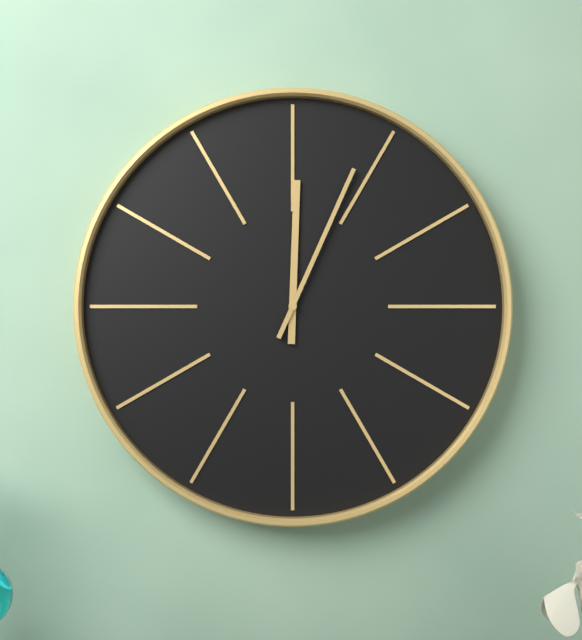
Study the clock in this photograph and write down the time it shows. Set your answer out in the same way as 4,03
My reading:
12,04
